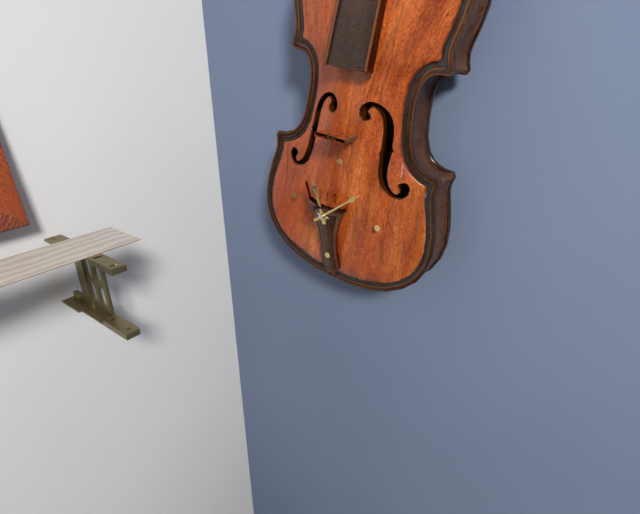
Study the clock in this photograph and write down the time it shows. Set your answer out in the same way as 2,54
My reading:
11,08
